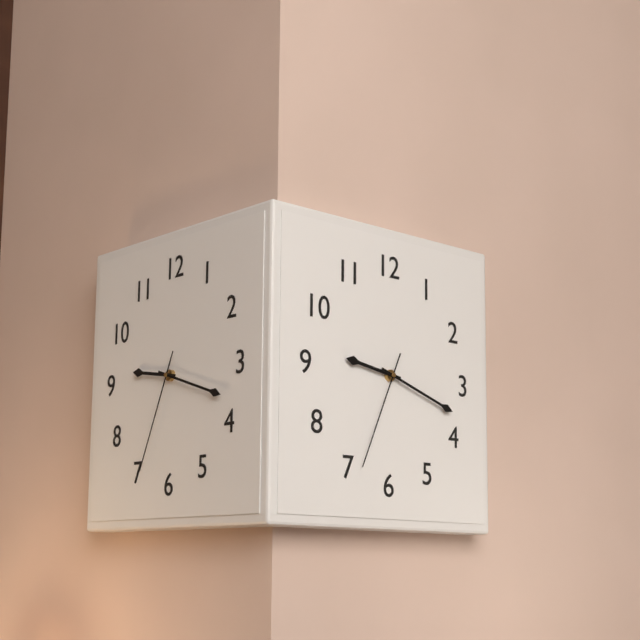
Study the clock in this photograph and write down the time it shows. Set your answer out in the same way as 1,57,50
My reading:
9,18,34
